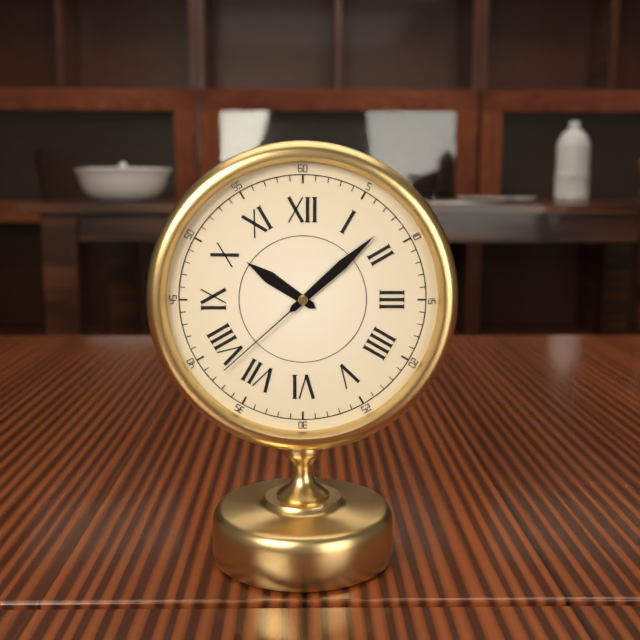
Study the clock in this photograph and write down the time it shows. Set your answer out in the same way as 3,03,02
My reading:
10,08,38
